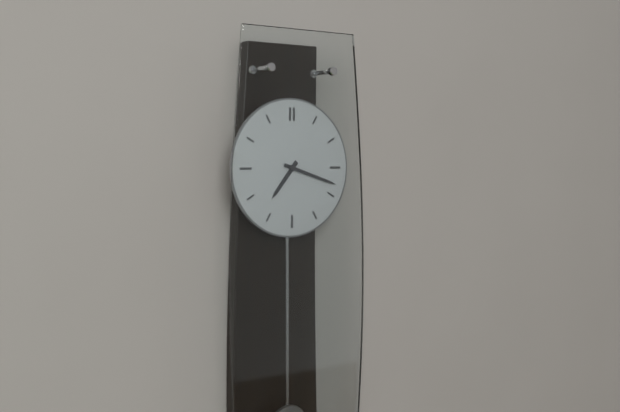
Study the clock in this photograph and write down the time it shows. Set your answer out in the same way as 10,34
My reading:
7,18
